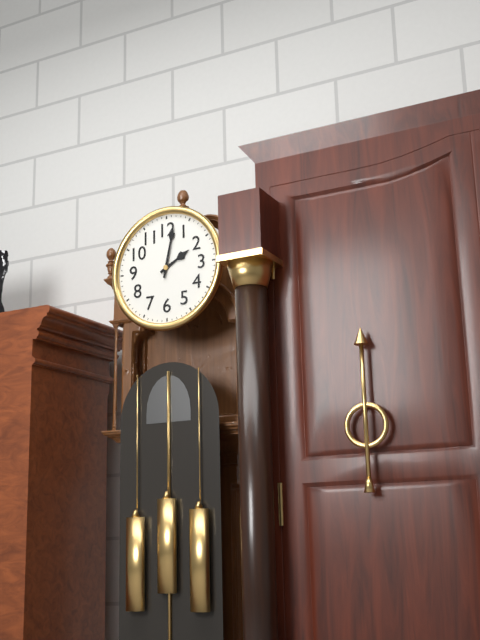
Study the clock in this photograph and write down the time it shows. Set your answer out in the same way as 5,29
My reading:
2,02
